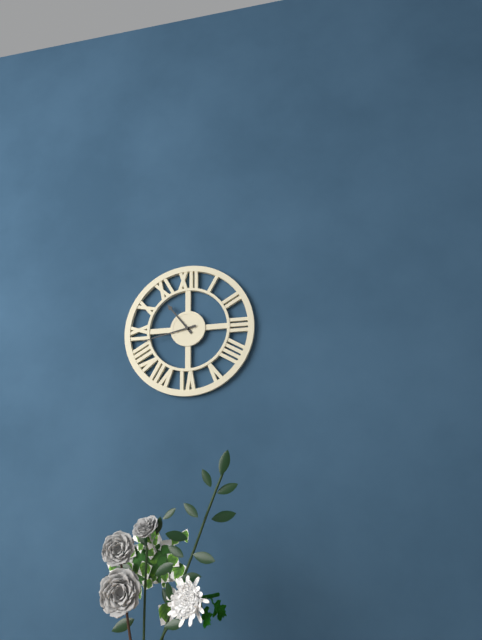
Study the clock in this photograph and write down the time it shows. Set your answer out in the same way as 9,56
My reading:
10,43
